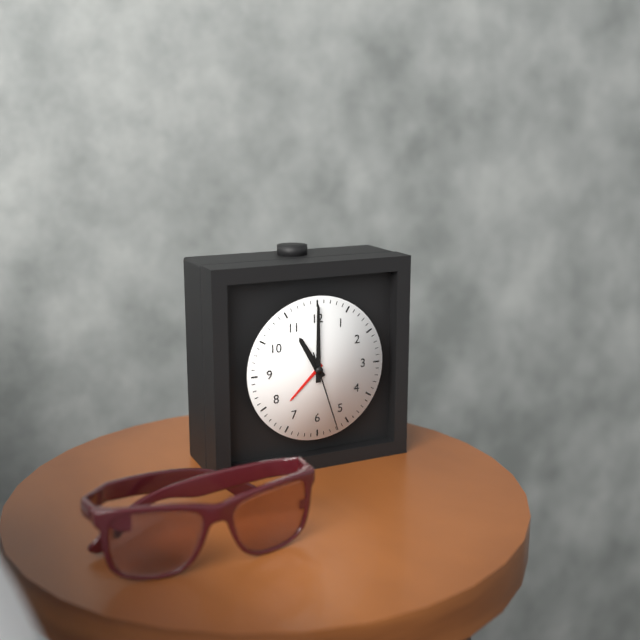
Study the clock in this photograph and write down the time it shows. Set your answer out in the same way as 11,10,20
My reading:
11,00,27
